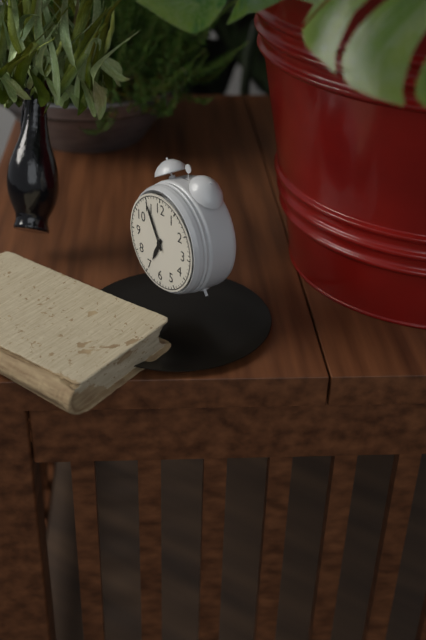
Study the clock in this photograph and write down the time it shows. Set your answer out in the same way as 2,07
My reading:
6,55
